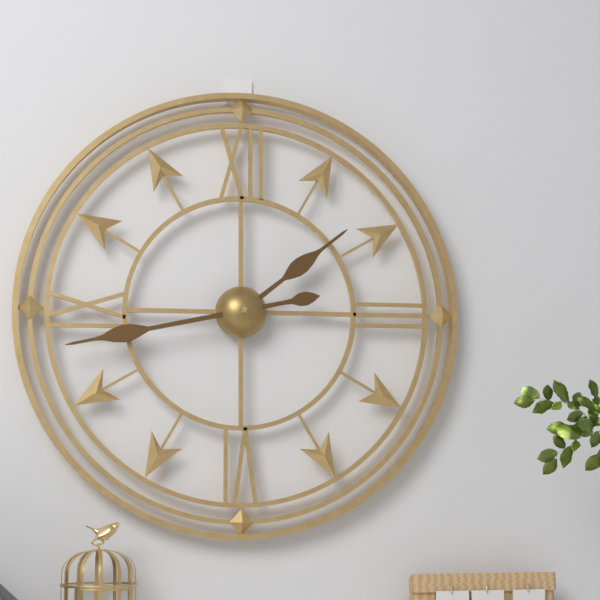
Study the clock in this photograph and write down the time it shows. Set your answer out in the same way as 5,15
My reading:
1,43
